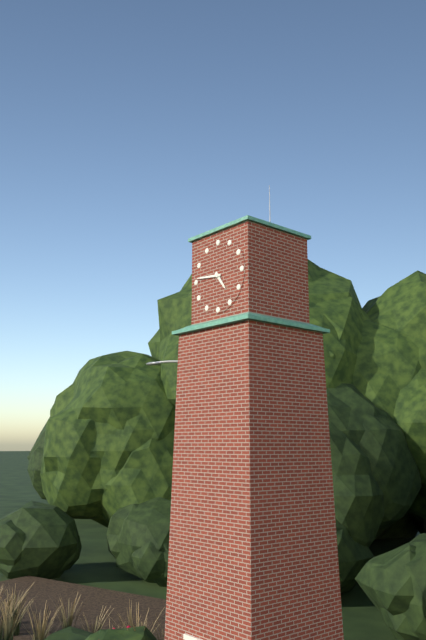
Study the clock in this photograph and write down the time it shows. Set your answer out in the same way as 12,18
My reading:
4,46
